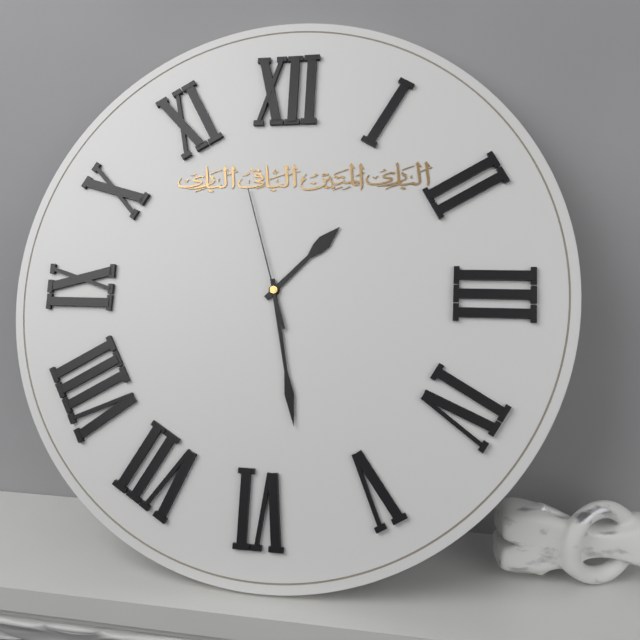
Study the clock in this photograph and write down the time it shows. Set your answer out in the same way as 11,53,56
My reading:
1,28,57
